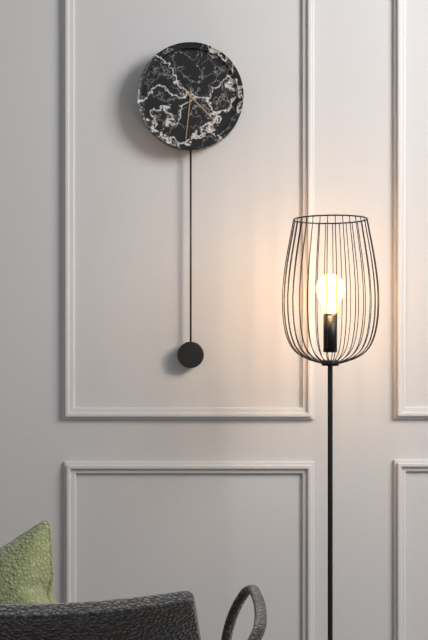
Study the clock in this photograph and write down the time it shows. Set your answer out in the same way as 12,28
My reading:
4,31
